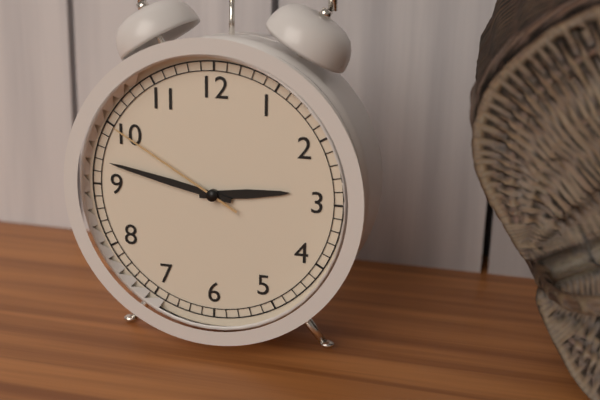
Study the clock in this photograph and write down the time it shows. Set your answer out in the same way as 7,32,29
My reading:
2,47,50
